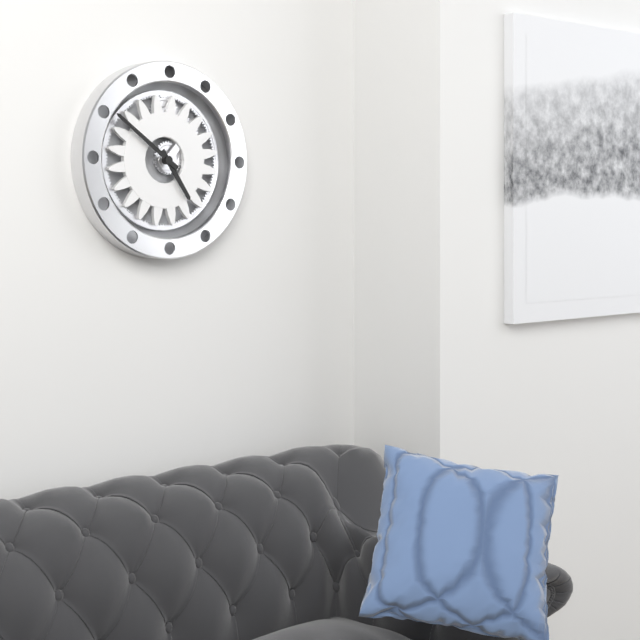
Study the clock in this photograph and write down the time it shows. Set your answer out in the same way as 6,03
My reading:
4,51
